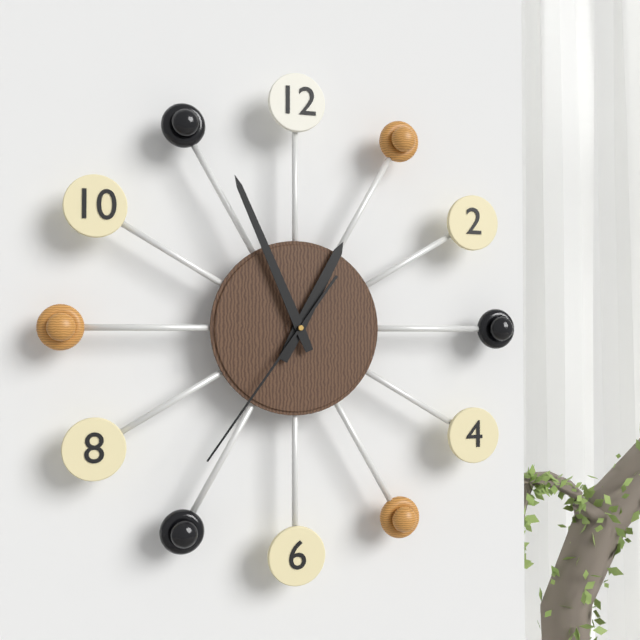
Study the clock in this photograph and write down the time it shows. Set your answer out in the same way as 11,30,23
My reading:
12,56,36
